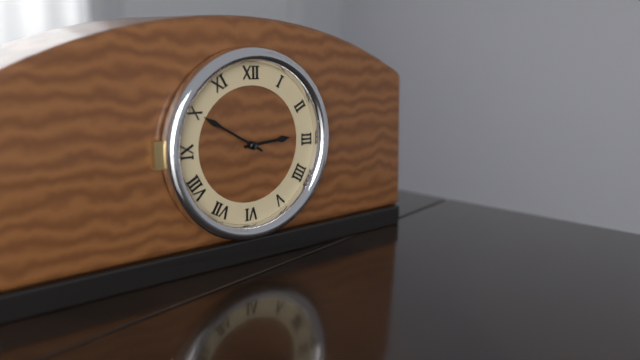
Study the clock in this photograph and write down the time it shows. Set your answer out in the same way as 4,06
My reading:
2,50
